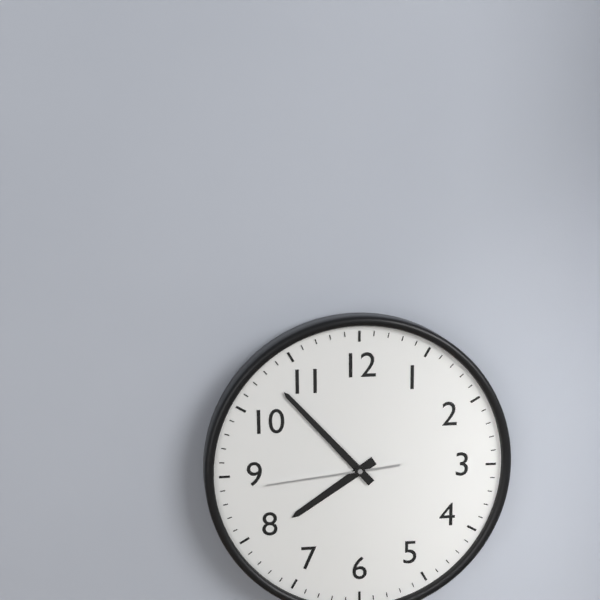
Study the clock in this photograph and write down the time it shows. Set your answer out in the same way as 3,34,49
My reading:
7,53,44
